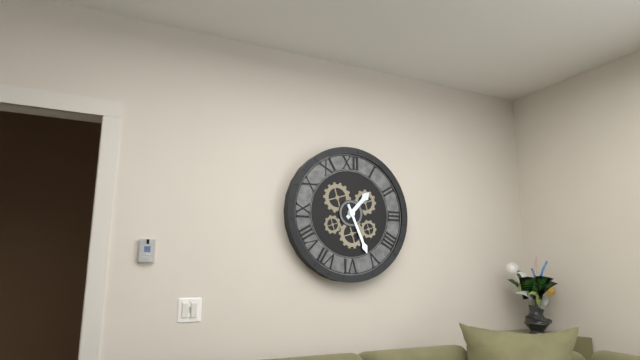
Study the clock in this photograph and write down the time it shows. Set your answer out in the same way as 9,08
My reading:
1,26
